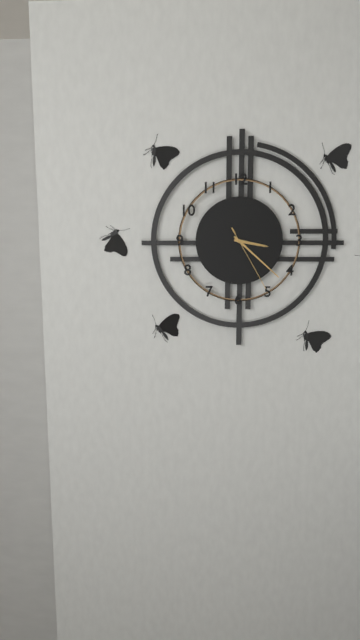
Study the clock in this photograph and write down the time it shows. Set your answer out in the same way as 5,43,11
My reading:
3,22,25
